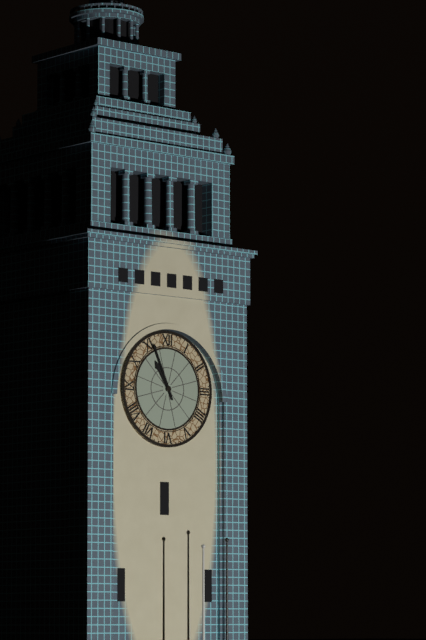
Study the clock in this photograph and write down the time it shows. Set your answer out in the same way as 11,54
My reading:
10,56
